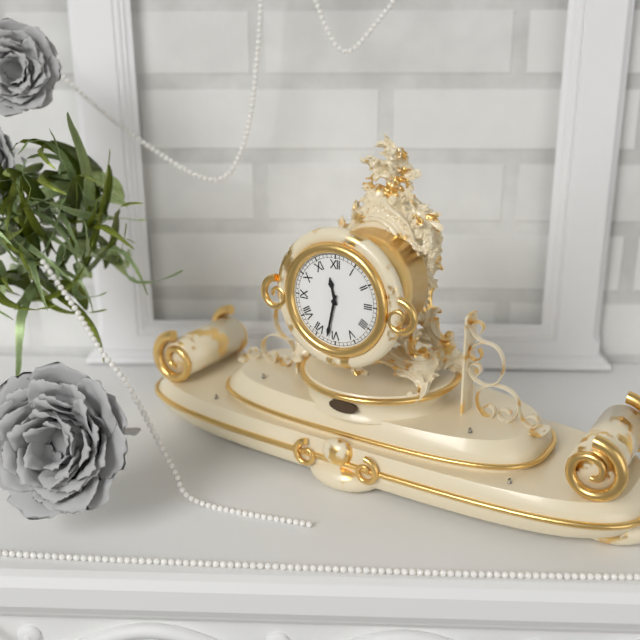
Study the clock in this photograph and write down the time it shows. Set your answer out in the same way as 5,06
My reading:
11,32
